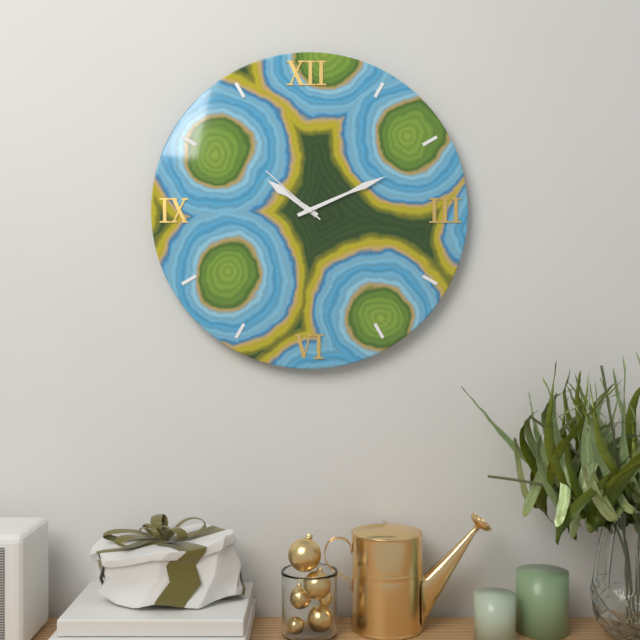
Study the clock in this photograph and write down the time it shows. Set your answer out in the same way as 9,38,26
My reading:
10,11,52
